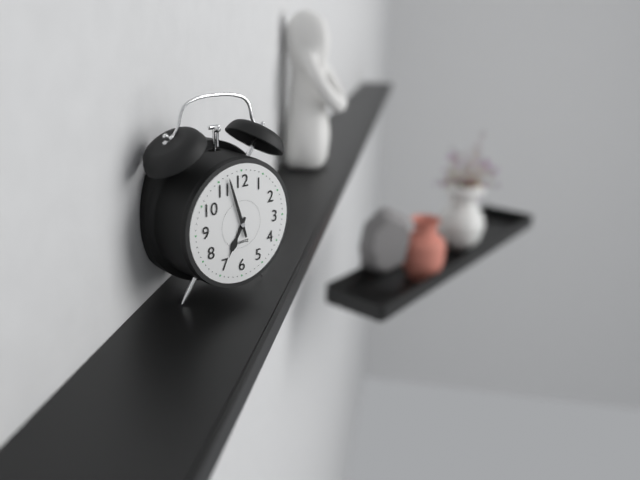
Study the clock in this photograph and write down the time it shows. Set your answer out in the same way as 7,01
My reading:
6,57
